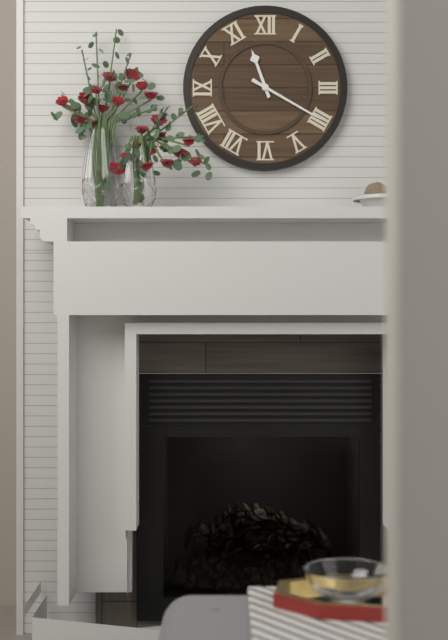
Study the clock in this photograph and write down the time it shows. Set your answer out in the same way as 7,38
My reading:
11,20
